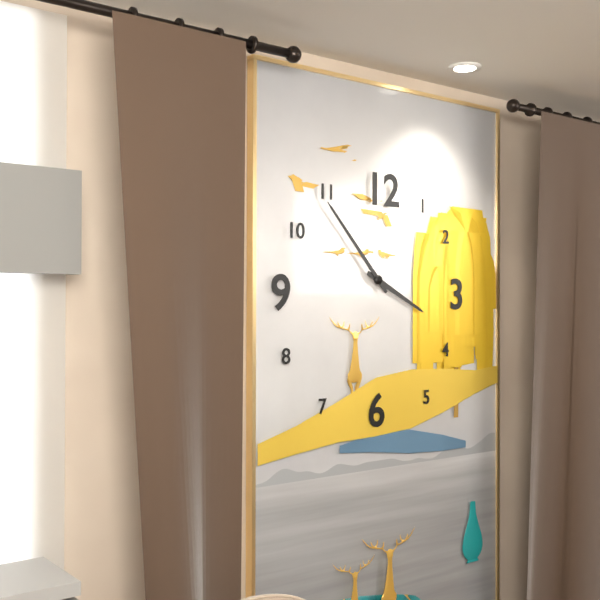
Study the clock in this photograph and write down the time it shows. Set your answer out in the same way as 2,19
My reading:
3,53
